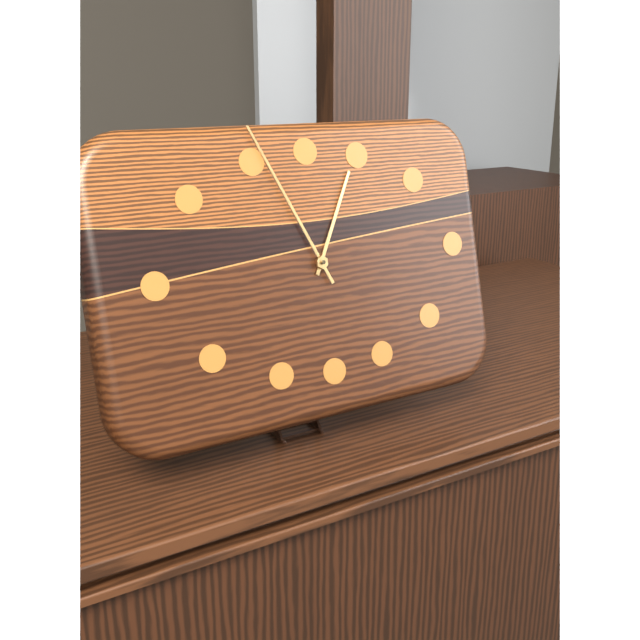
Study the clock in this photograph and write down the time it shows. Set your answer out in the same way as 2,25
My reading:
12,56
